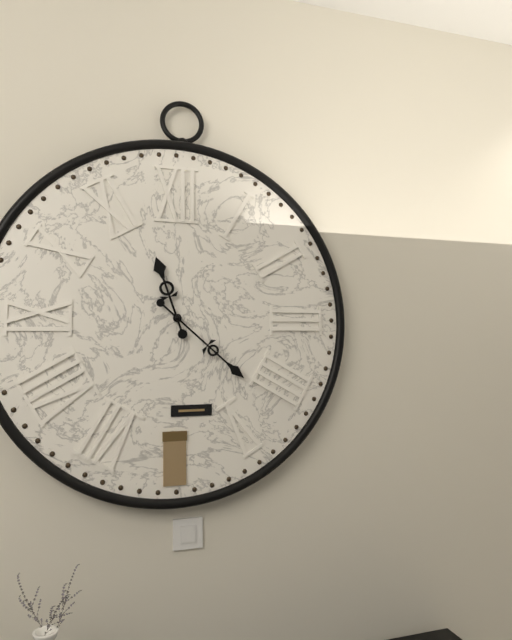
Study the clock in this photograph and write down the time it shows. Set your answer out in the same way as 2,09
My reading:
11,22
